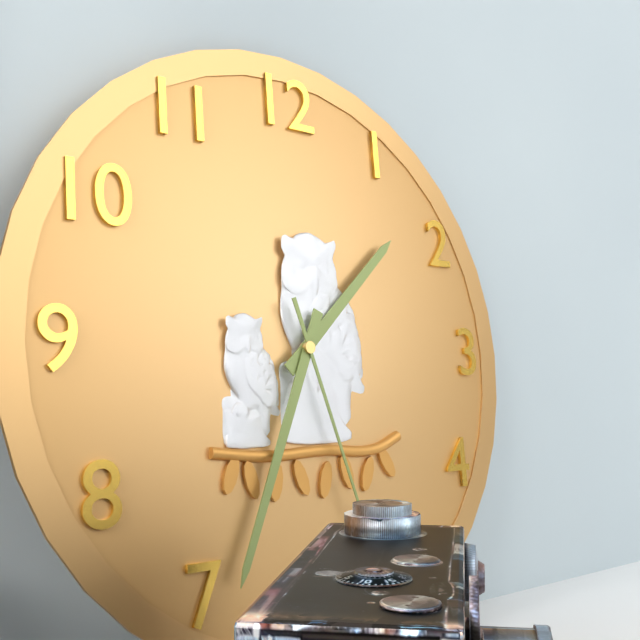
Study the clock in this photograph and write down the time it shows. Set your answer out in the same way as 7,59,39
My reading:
1,34,27
